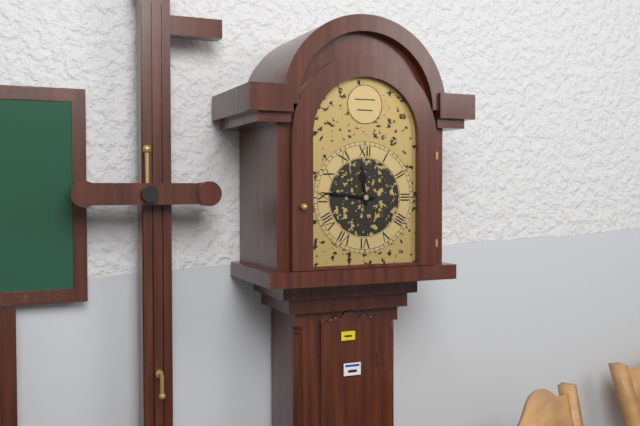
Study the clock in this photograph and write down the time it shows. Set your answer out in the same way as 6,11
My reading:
11,46
